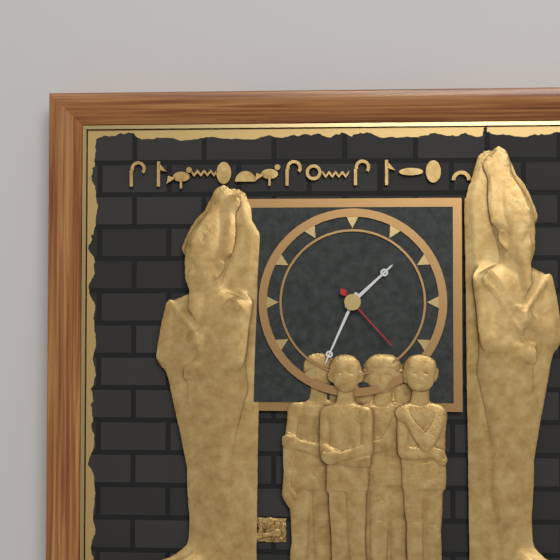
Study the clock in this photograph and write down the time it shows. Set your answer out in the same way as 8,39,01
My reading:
1,34,23
